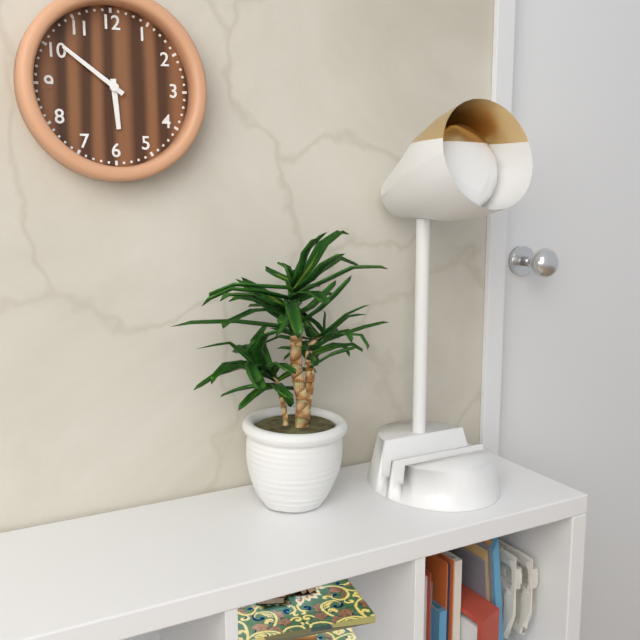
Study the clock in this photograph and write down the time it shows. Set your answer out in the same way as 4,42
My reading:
5,51
